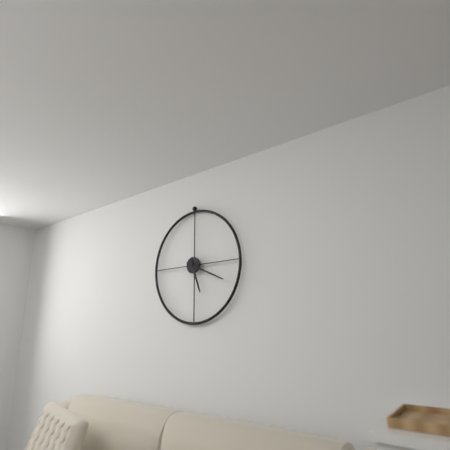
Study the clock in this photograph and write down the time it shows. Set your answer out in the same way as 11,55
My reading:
5,19
